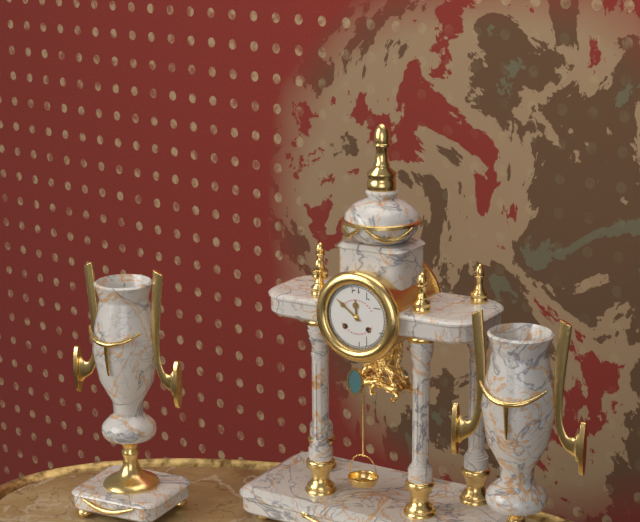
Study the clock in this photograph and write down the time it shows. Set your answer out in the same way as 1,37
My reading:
11,51
